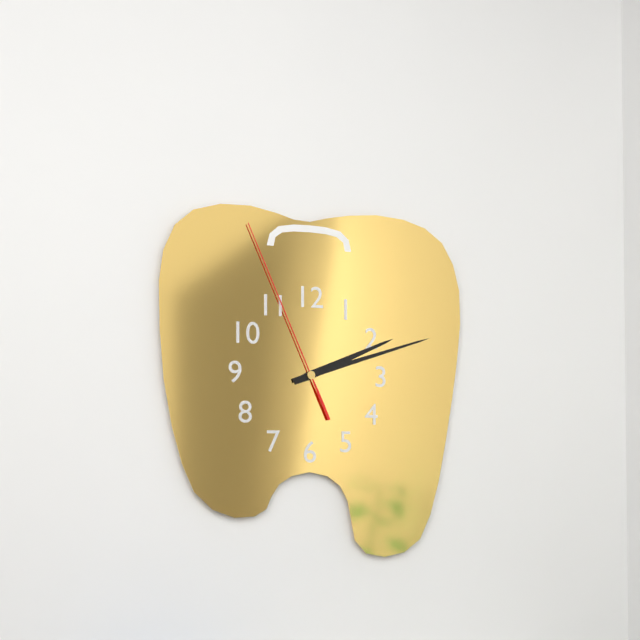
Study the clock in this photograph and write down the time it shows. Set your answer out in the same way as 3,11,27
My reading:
2,12,56
